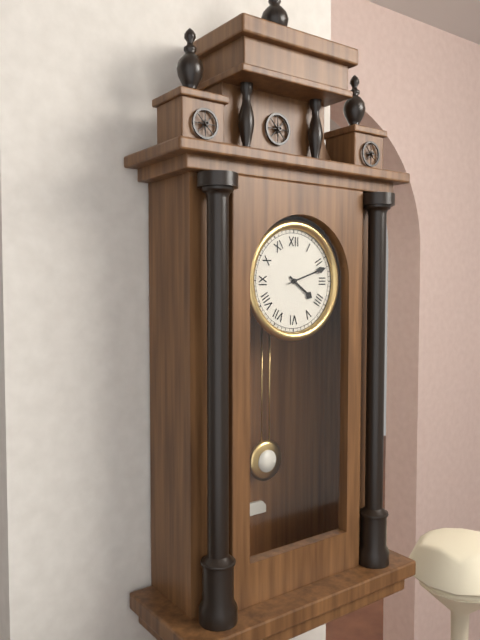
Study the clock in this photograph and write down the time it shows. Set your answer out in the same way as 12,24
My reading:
4,12
